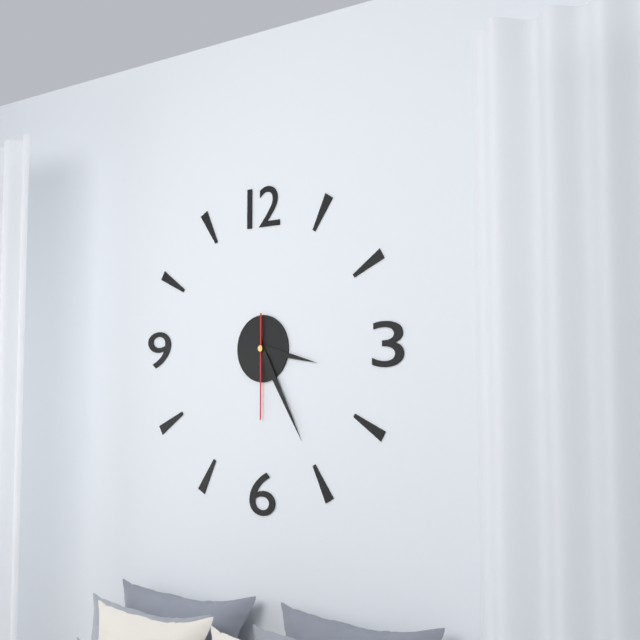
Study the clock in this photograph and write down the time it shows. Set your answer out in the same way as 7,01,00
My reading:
3,25,30
